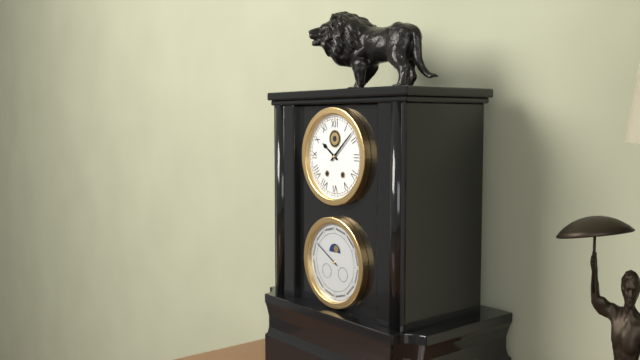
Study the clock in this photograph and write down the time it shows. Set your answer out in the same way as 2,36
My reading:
10,08
